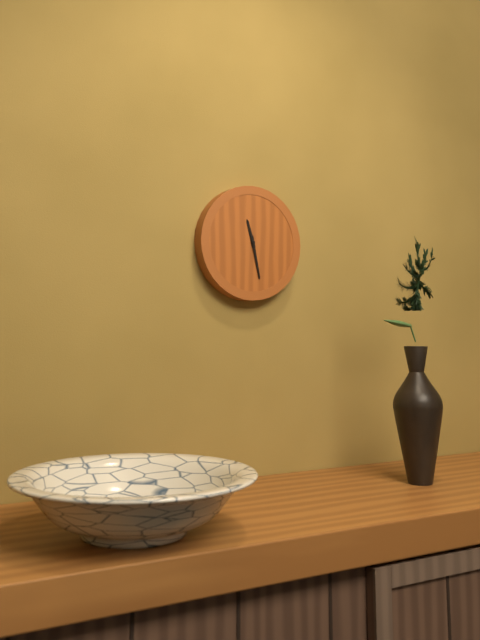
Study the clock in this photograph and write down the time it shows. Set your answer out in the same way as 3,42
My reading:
11,28
